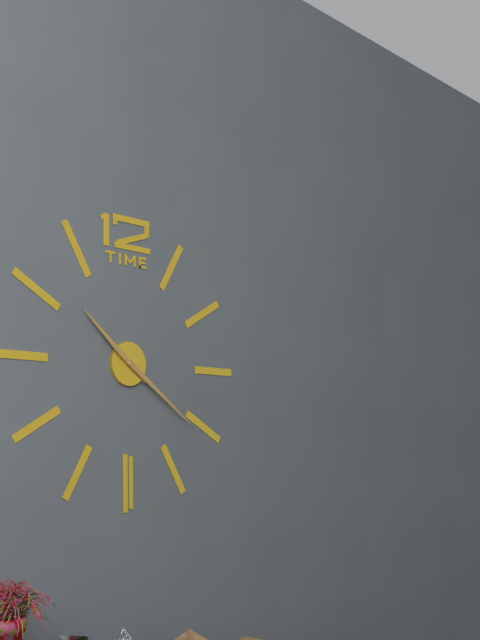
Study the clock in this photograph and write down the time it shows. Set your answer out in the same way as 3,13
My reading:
10,21
